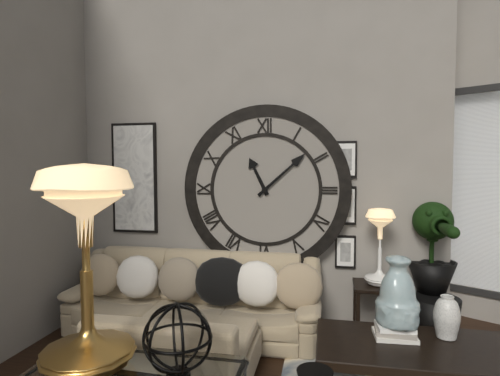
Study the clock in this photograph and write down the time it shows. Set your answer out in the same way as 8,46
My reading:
11,08
